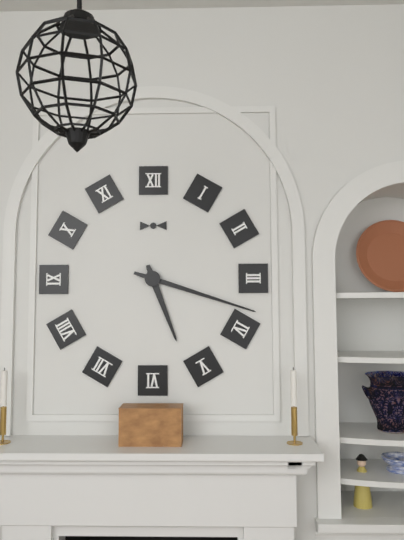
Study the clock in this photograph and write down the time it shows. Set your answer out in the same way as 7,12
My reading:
5,18
